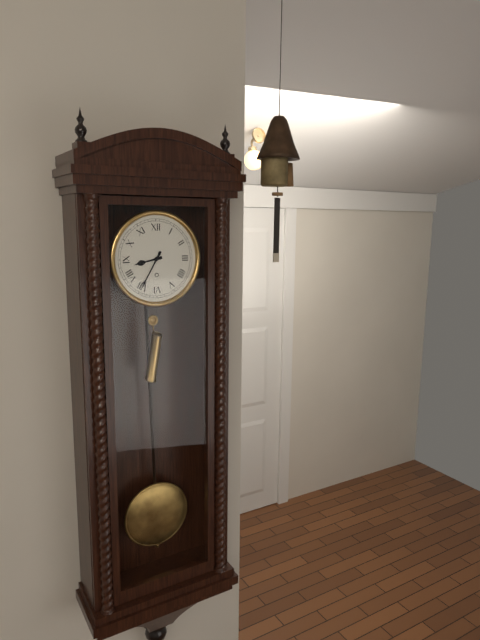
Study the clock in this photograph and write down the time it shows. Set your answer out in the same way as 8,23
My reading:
8,35
